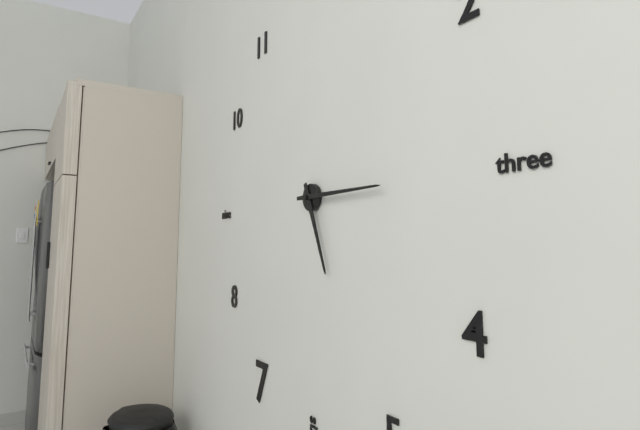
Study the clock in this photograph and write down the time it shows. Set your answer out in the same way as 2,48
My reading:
5,15
